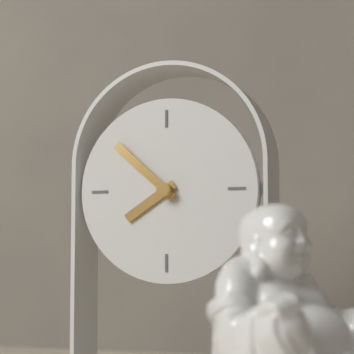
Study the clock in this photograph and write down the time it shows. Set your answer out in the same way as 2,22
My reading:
7,52
